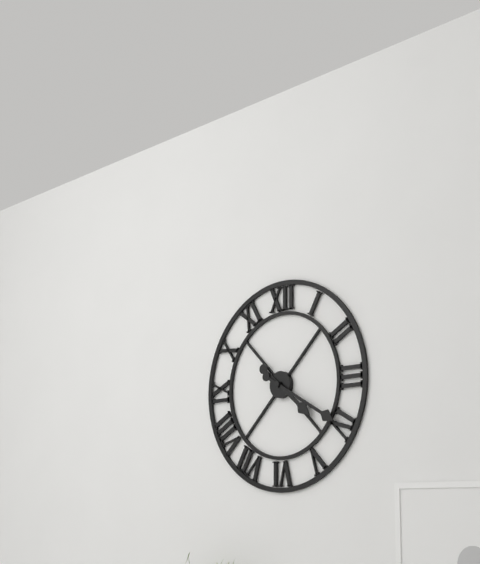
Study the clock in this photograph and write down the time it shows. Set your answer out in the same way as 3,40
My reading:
4,20
